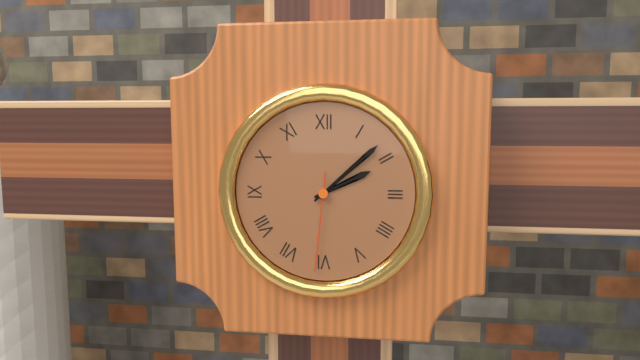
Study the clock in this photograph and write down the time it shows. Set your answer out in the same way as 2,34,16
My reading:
2,08,31
